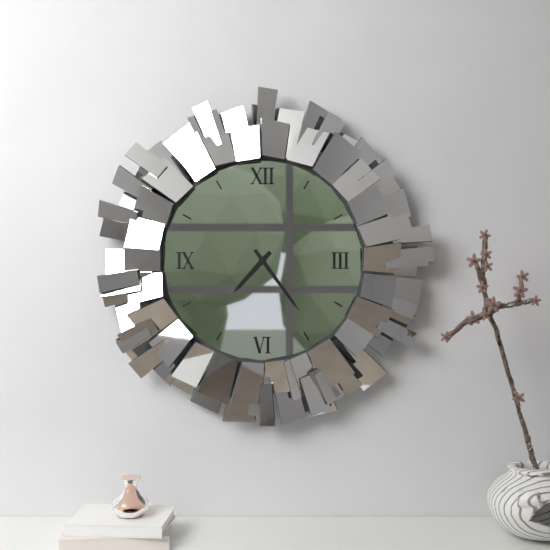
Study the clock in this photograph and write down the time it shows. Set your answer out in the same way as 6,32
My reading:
7,24
